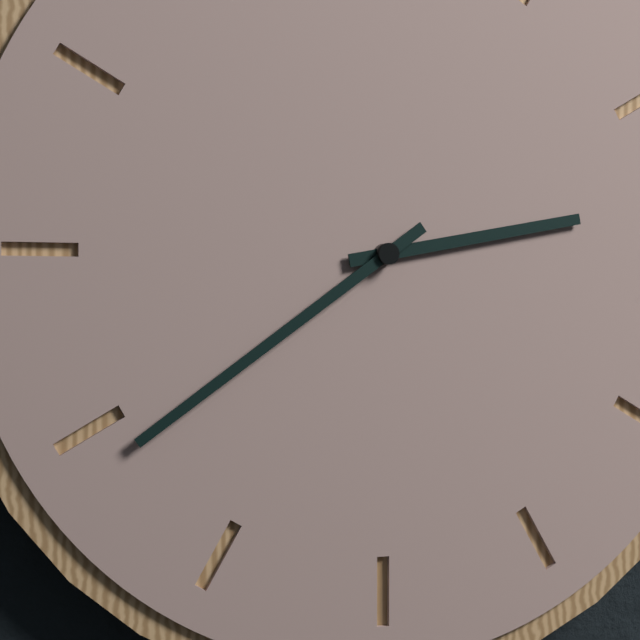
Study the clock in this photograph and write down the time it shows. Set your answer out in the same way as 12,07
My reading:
2,39
